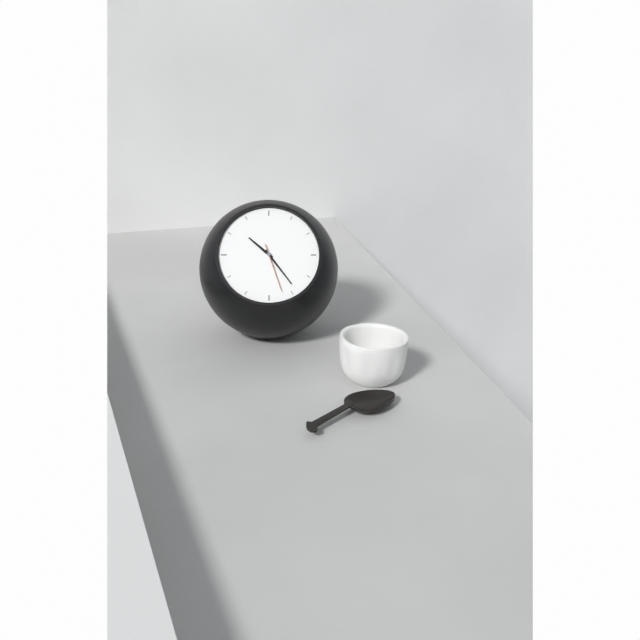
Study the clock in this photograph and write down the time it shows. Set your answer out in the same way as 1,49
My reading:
10,24
